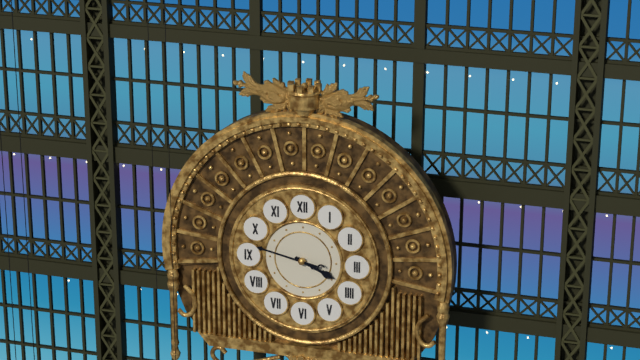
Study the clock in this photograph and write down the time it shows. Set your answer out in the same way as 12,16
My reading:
3,47
